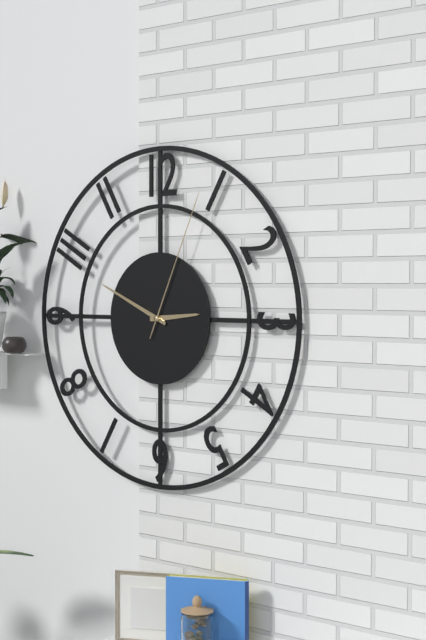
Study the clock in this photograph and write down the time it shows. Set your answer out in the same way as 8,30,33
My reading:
2,49,04
